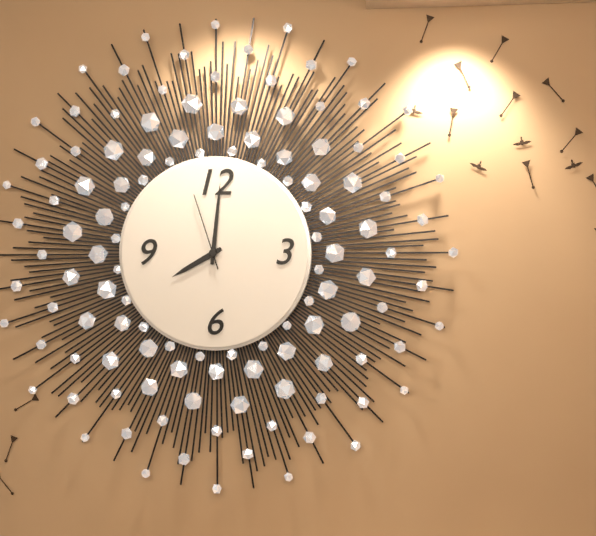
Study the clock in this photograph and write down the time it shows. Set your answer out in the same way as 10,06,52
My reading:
8,01,57
